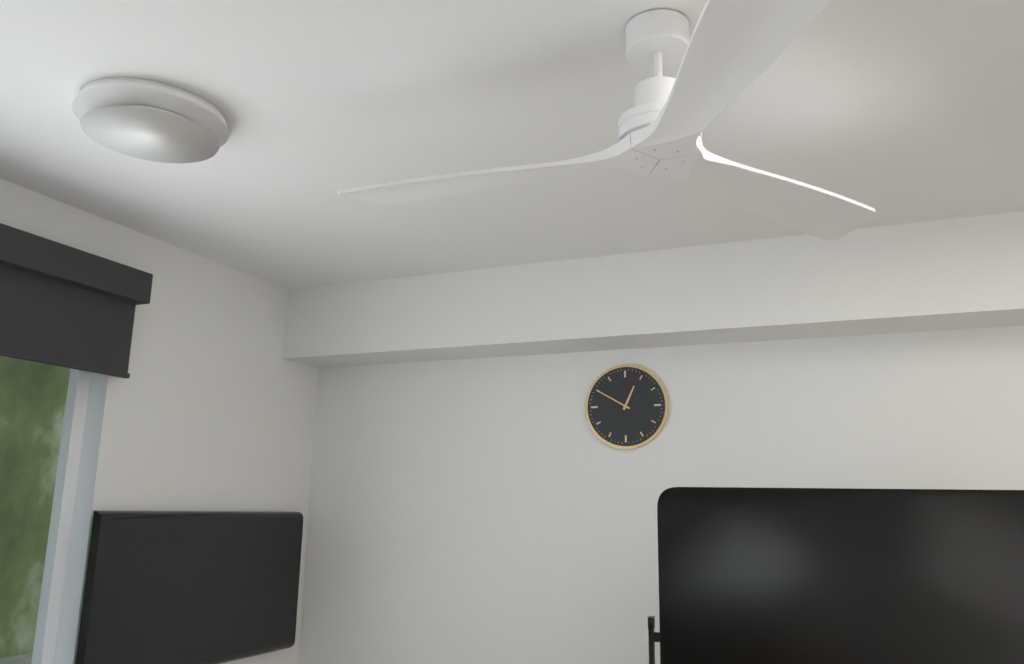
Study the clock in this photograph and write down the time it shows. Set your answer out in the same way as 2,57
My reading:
12,50
